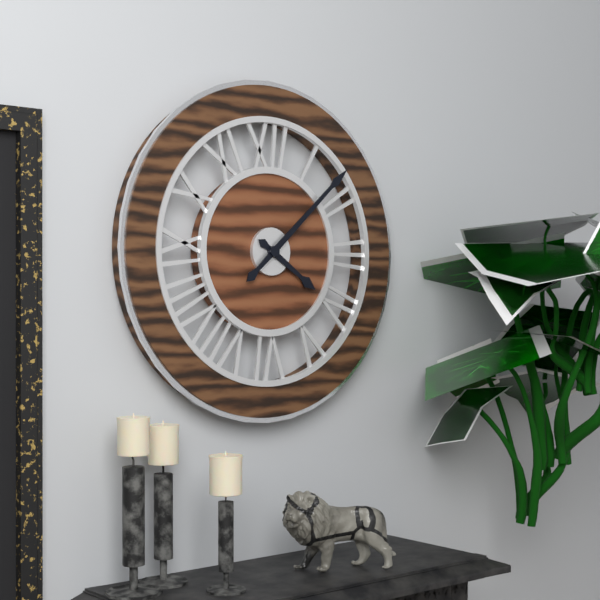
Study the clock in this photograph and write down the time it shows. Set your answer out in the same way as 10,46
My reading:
4,08
